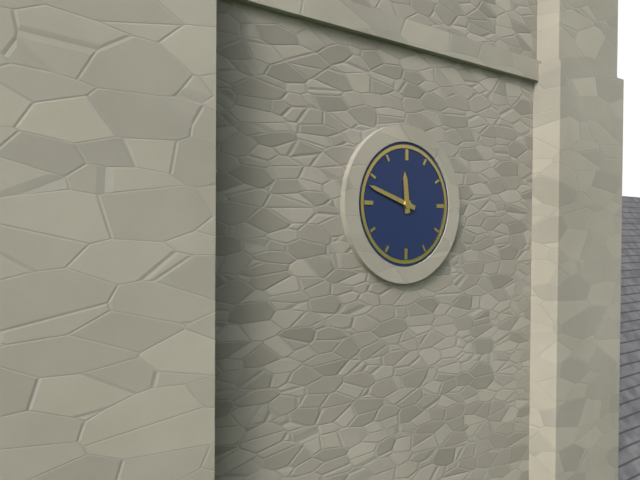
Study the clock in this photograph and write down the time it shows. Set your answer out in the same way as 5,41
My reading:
11,48
